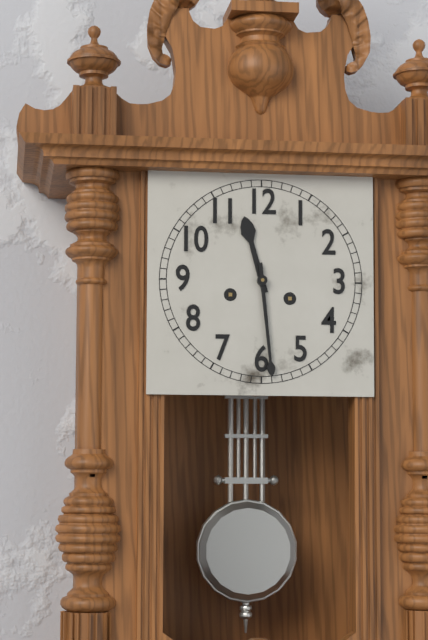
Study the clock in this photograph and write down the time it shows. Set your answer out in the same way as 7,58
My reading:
11,29
